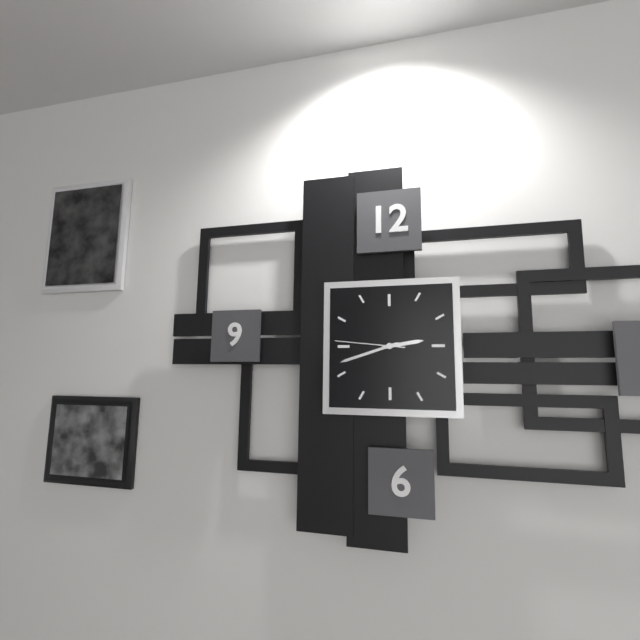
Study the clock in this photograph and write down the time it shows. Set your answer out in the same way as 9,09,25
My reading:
2,42,46
